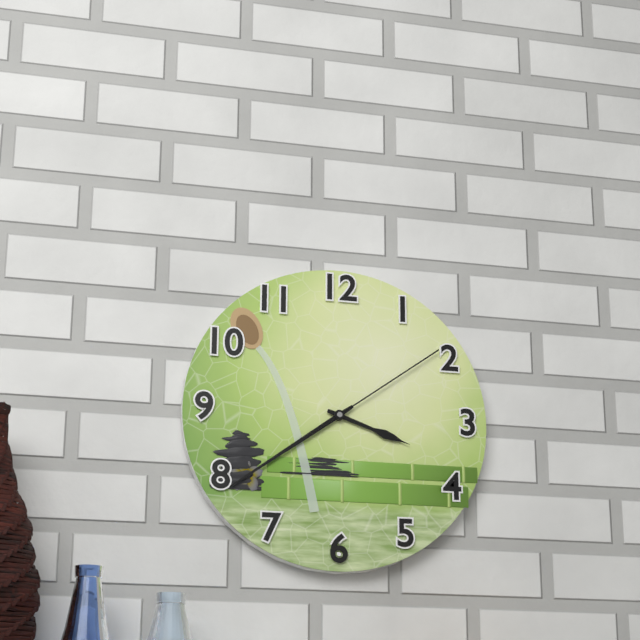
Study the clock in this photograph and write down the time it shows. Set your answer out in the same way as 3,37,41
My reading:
3,39,09
